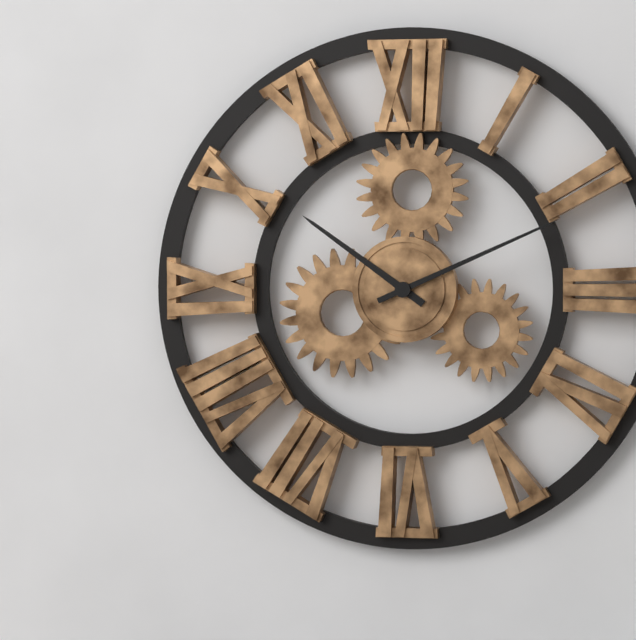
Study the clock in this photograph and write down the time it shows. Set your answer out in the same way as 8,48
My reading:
10,11
